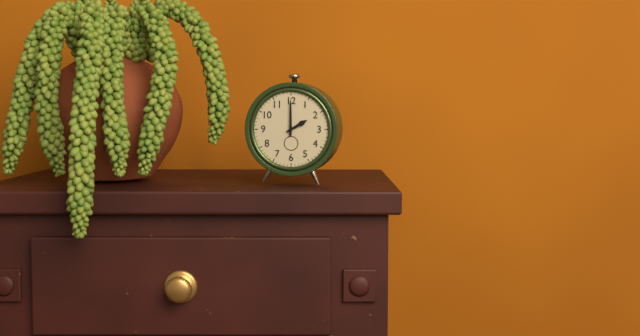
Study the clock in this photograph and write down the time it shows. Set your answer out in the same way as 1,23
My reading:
2,00
